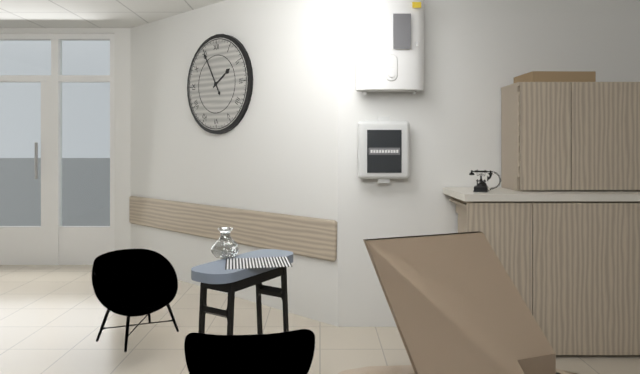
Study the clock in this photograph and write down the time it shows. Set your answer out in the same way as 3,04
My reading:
1,55
